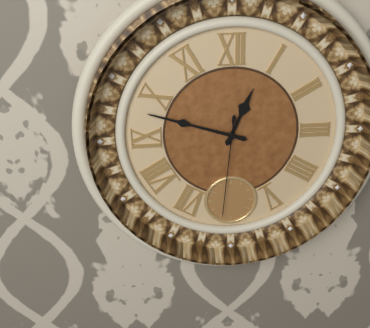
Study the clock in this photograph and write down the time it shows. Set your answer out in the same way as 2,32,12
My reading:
12,48,31
